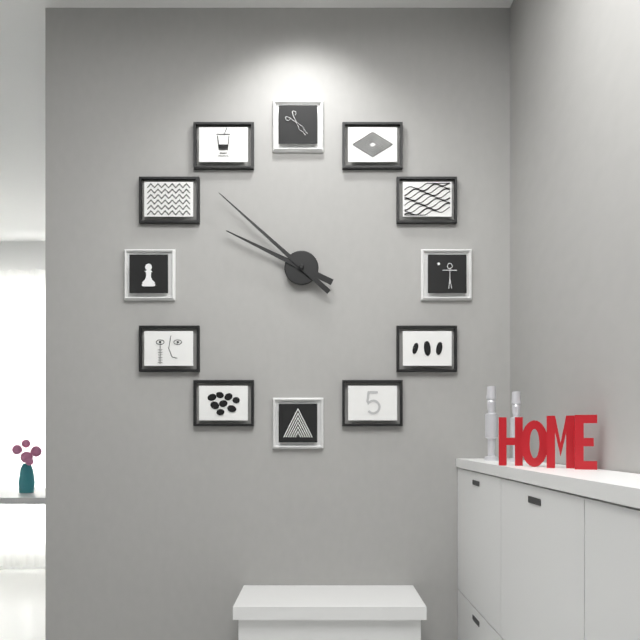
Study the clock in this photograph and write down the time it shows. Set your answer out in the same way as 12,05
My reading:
9,52
